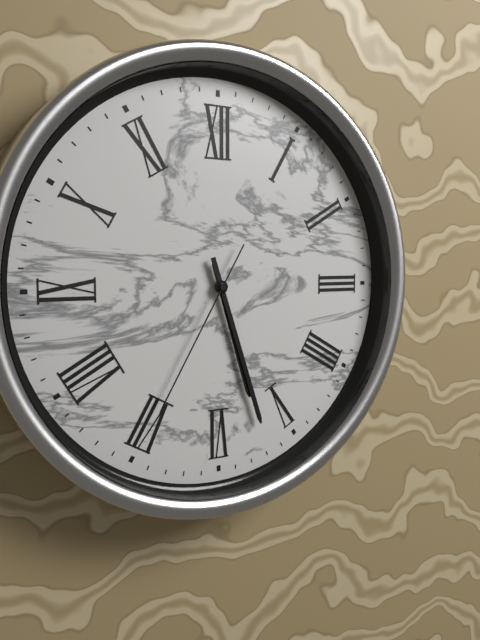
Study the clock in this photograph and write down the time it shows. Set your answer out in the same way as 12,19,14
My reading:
5,27,35
